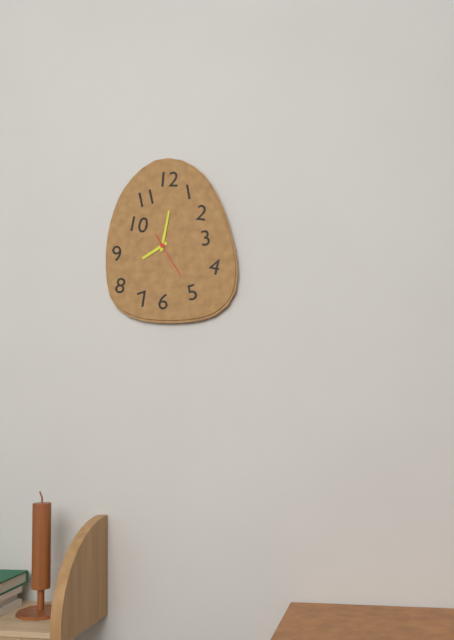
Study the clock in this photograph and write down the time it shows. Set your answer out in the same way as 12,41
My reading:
8,02
